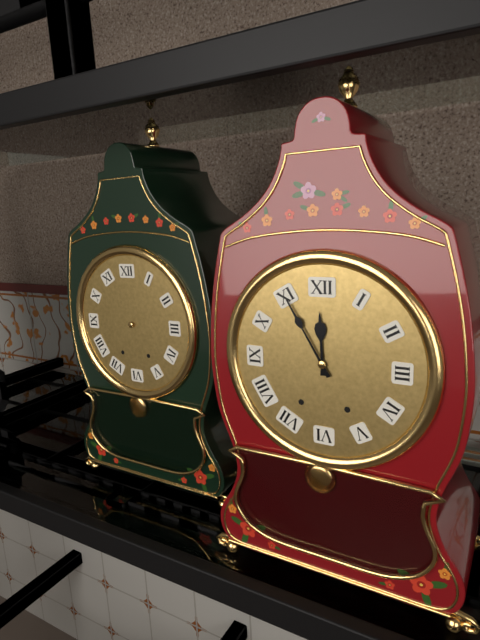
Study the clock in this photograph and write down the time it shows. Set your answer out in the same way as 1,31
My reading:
11,55
